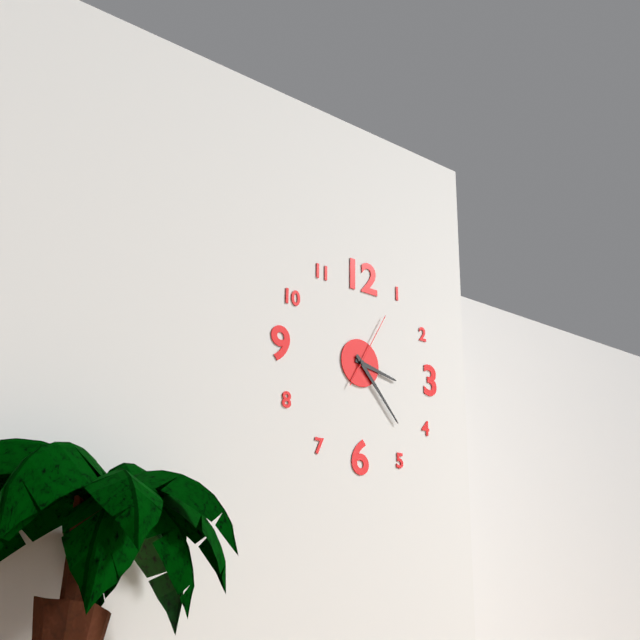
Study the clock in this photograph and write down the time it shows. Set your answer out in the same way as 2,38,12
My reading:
3,23,05
